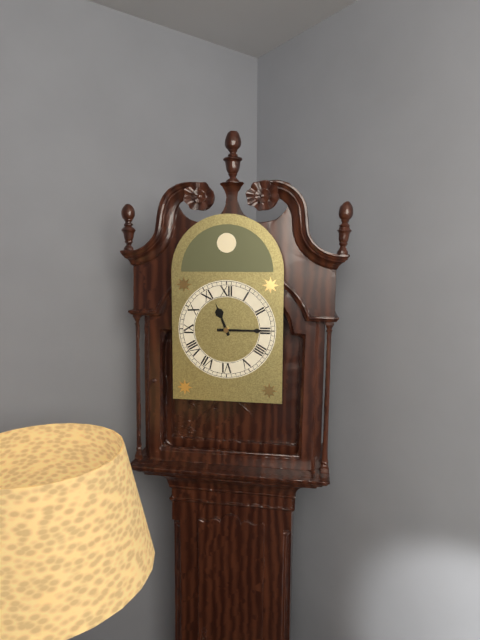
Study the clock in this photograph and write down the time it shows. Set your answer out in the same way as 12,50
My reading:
11,15
